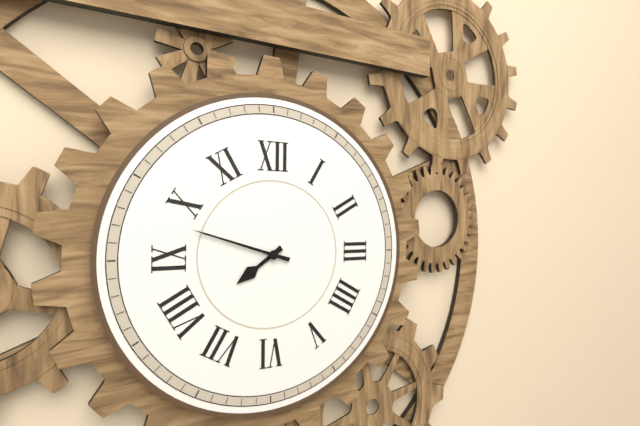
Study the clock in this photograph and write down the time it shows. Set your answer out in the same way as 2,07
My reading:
7,48
